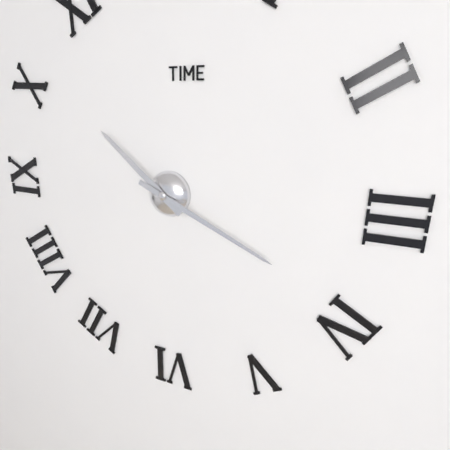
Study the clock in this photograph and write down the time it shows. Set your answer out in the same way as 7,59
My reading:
10,19
